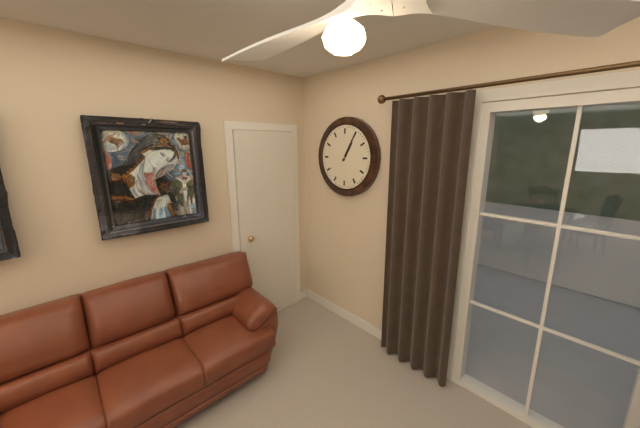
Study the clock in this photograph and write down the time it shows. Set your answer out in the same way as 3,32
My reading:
1,05
